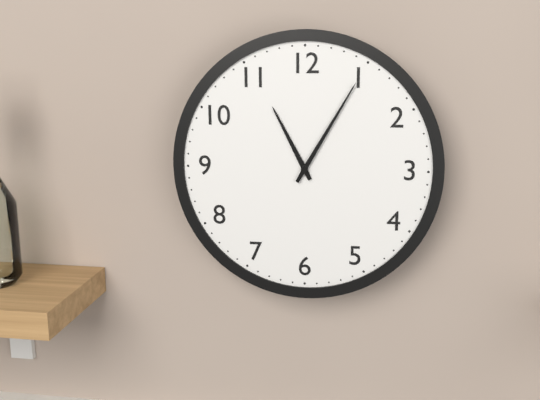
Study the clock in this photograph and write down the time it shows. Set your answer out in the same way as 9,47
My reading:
11,05
